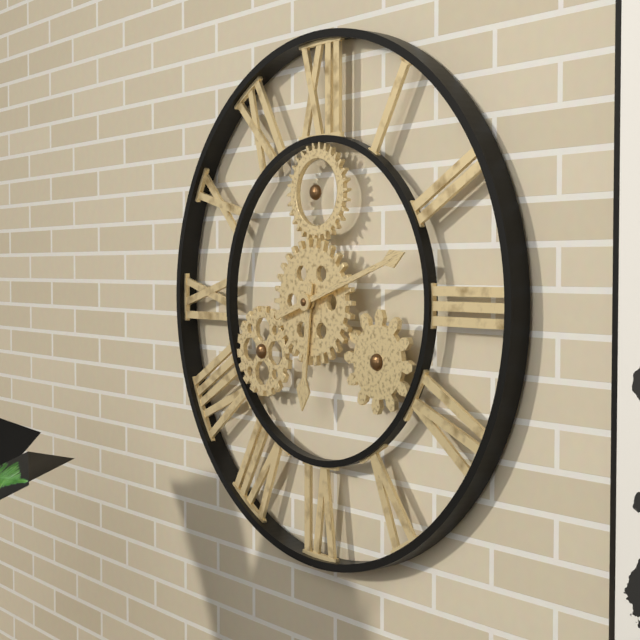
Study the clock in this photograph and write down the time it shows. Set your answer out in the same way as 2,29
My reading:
6,12
